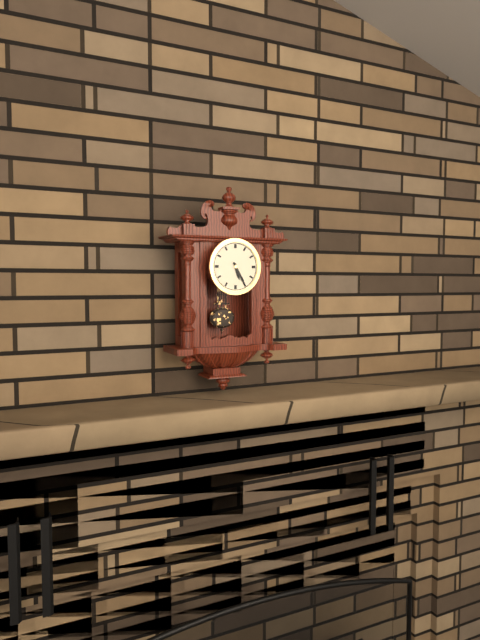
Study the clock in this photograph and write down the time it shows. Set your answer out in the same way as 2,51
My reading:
5,25
